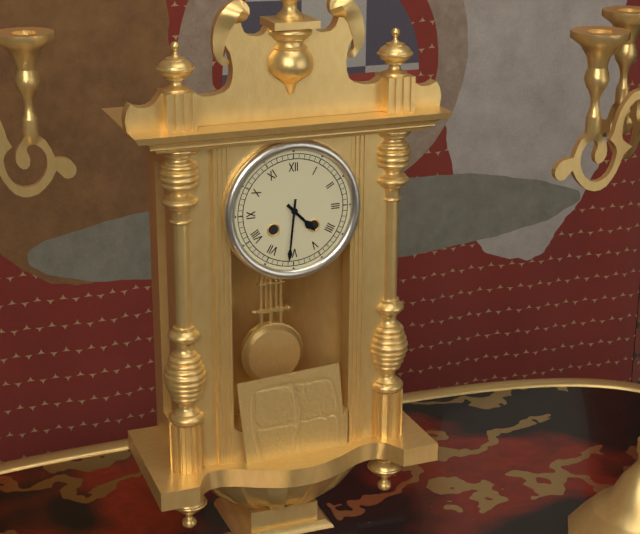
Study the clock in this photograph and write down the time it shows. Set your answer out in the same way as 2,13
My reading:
4,31
